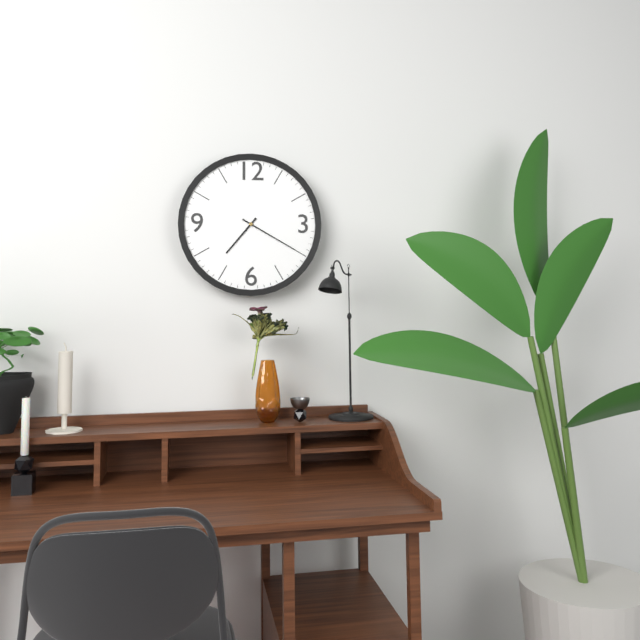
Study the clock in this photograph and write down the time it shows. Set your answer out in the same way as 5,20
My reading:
7,20
